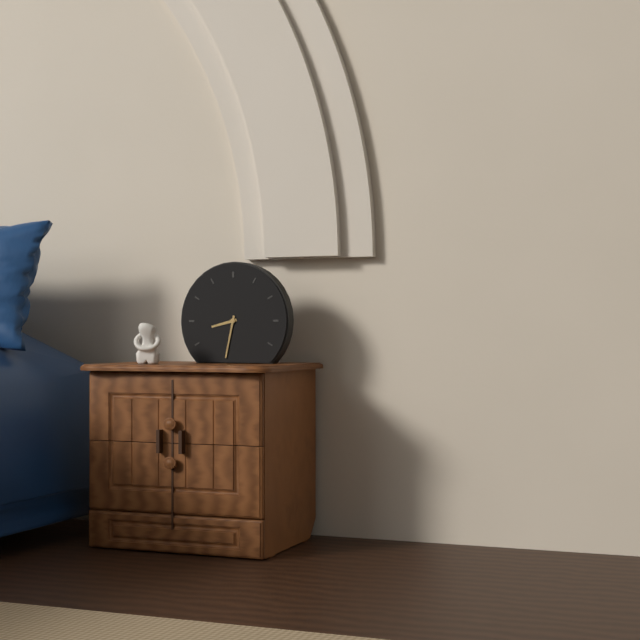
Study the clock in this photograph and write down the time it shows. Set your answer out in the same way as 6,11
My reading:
8,32
